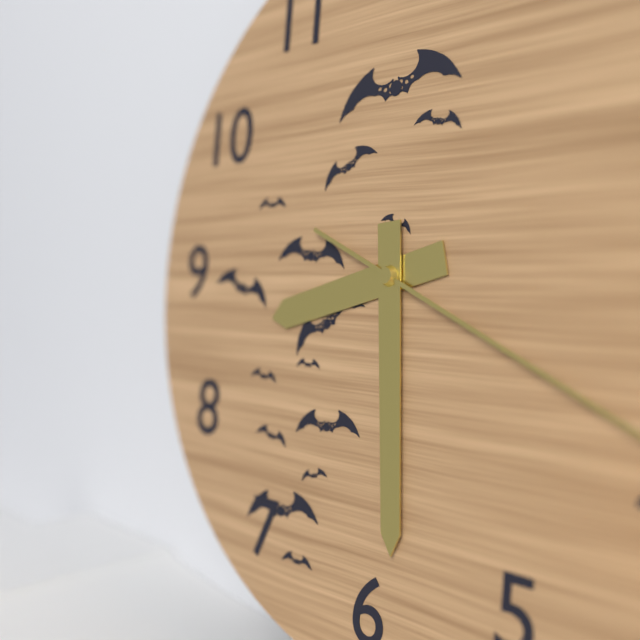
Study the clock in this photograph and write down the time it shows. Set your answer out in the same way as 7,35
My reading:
8,29
